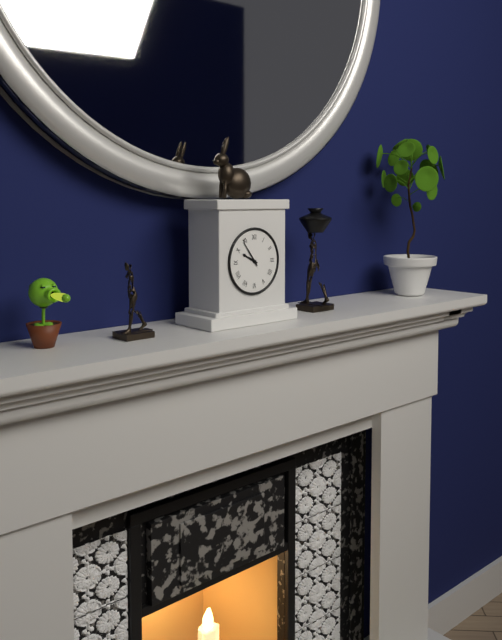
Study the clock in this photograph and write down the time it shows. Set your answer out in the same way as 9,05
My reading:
9,54
